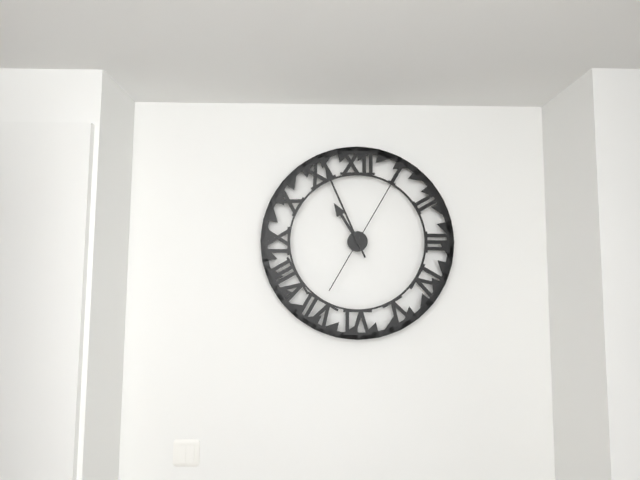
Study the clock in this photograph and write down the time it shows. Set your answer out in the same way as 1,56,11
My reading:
10,56,05
